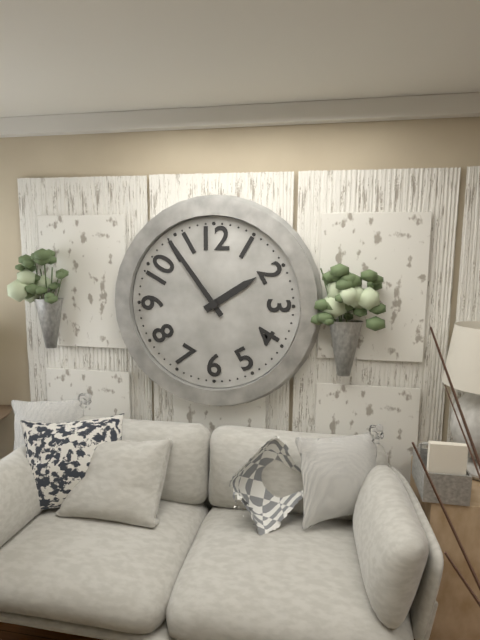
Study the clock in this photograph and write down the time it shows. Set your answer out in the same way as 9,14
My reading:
1,54
